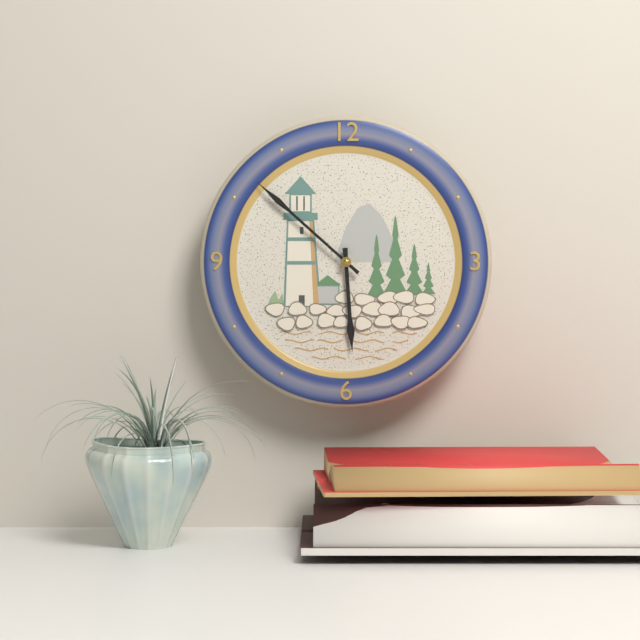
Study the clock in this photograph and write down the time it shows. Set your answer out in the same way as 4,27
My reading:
5,52
